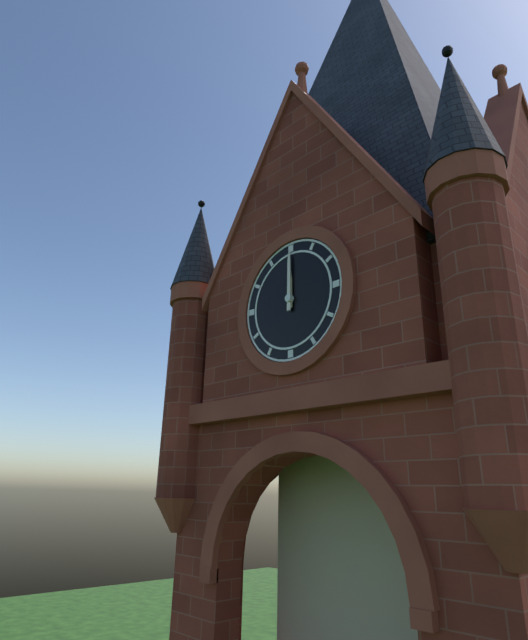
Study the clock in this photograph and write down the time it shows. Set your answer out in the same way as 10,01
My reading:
12,00
